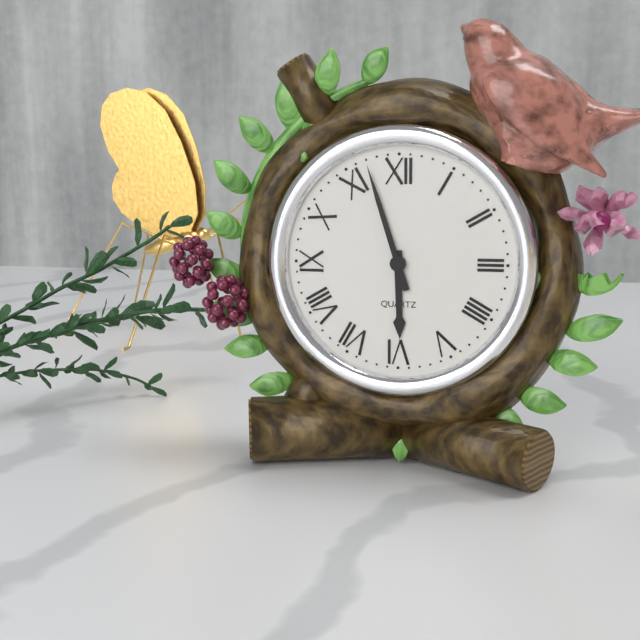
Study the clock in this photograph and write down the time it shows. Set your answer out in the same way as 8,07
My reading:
5,57
